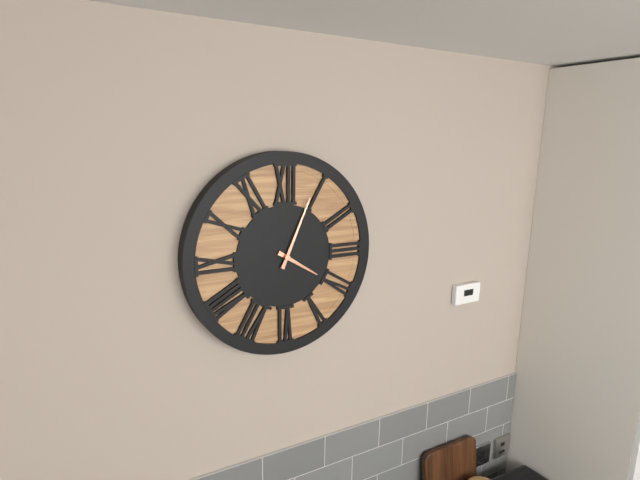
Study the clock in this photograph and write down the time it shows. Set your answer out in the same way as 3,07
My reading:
4,04
